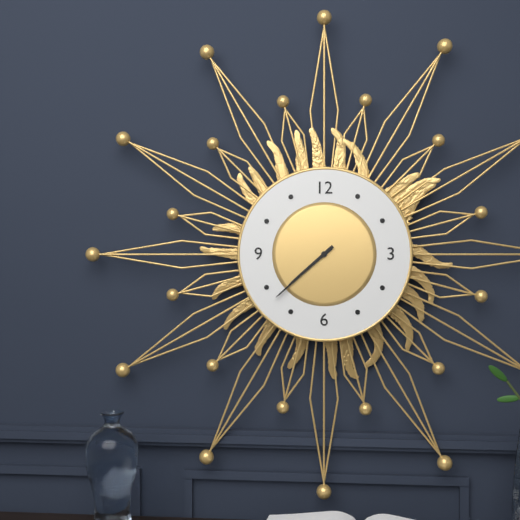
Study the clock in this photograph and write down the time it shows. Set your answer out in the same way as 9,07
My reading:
7,38
